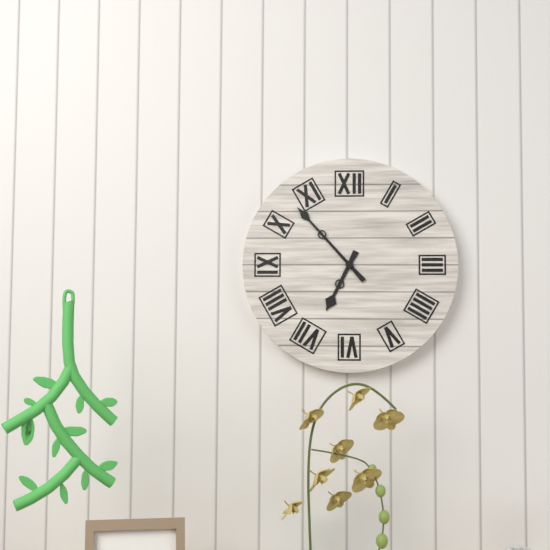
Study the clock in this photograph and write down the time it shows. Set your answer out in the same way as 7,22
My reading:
6,53
